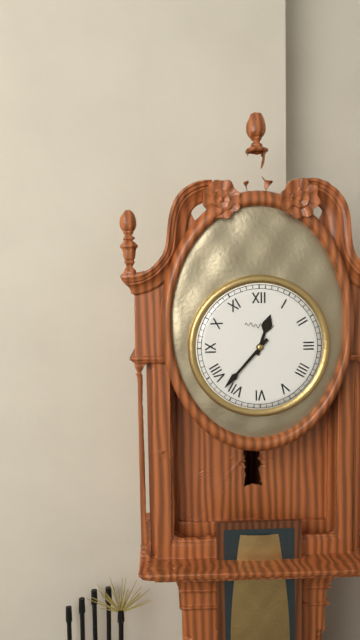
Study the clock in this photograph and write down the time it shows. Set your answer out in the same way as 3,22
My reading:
12,37
